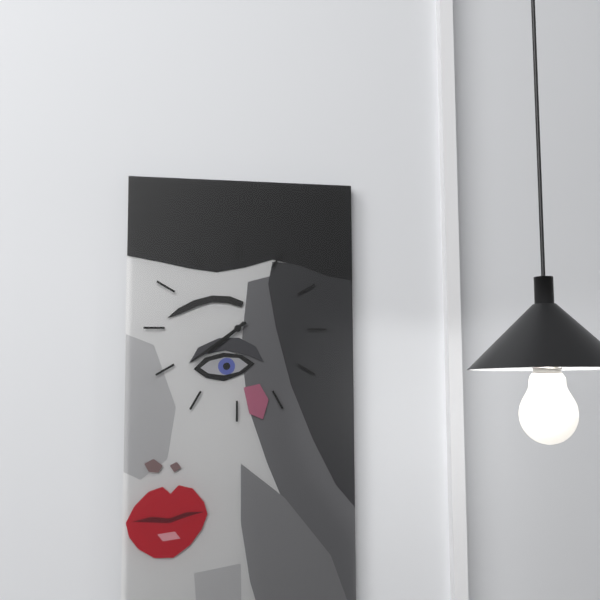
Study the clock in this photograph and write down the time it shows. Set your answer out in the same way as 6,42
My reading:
7,39
